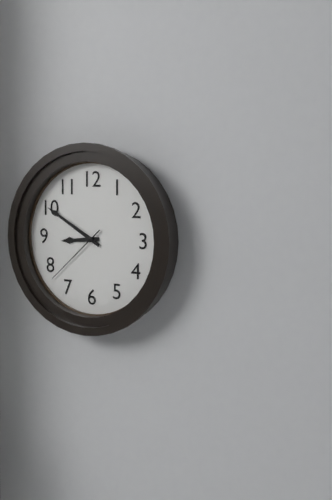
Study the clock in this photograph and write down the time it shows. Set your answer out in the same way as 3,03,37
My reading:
8,50,38
